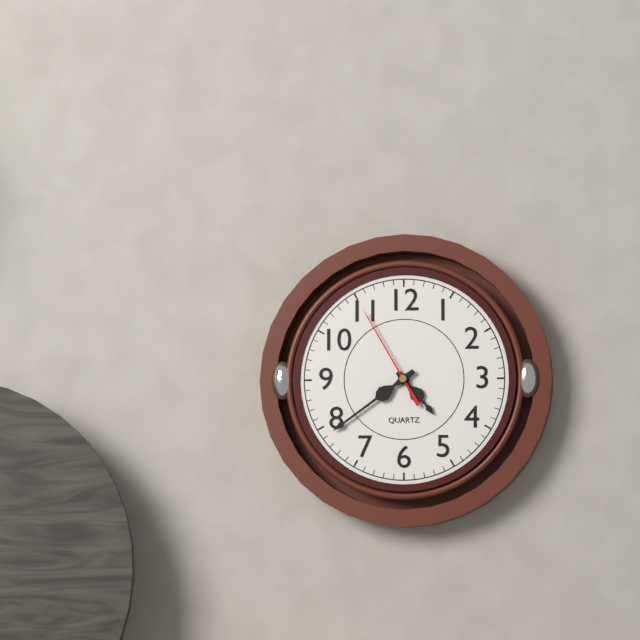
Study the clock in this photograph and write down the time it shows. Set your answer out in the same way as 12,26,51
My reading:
4,39,55
